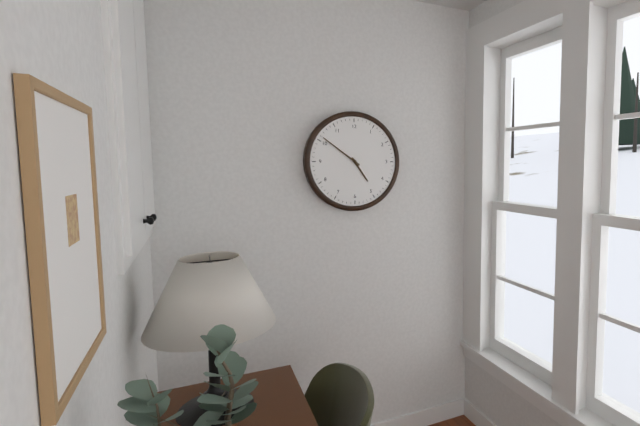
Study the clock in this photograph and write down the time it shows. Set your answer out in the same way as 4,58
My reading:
4,51
